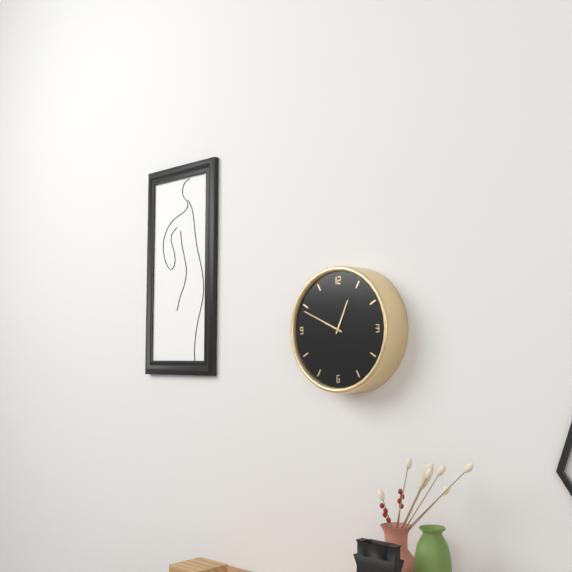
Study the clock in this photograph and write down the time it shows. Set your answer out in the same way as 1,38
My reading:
12,49
